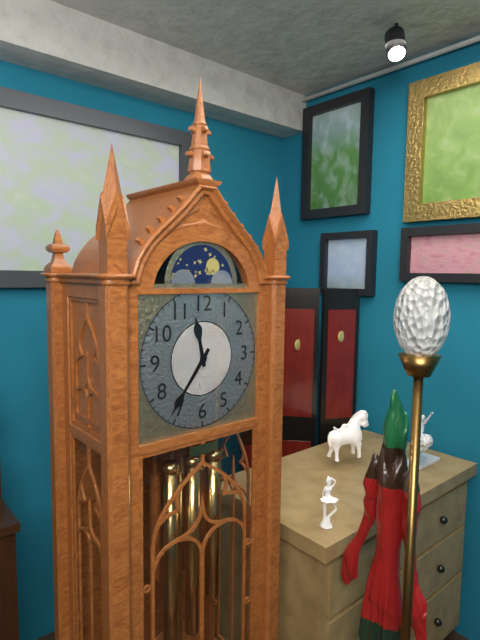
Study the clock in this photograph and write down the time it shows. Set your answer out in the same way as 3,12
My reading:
11,36
